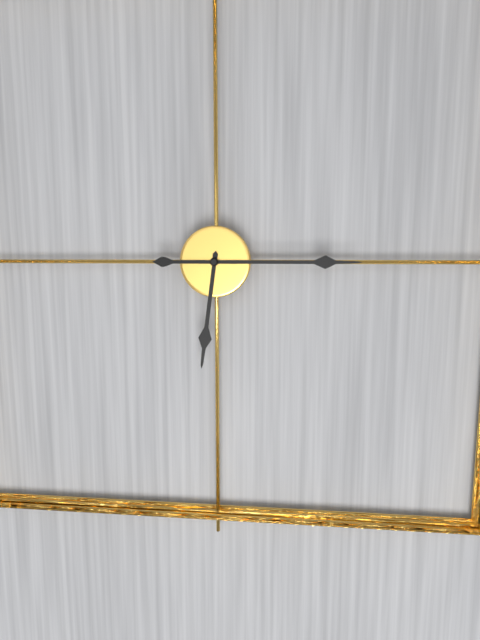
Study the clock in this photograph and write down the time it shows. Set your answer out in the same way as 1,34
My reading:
6,15
